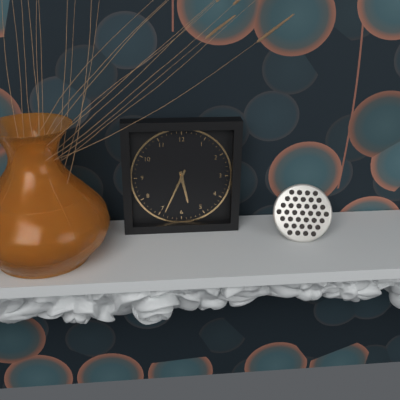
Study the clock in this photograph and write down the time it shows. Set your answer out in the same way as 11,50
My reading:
5,34
